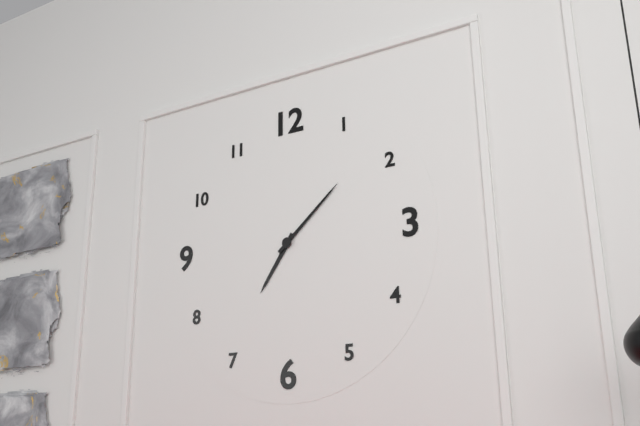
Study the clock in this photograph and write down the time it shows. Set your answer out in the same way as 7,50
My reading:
7,08
